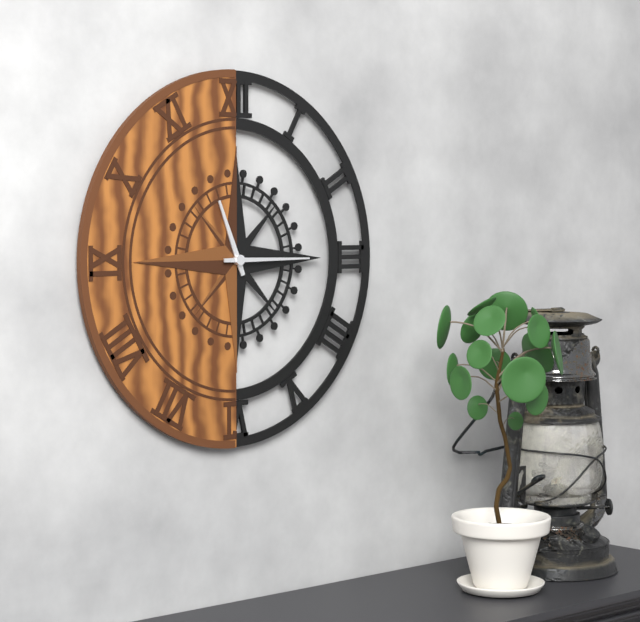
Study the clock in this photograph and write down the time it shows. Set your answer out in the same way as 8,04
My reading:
11,15
